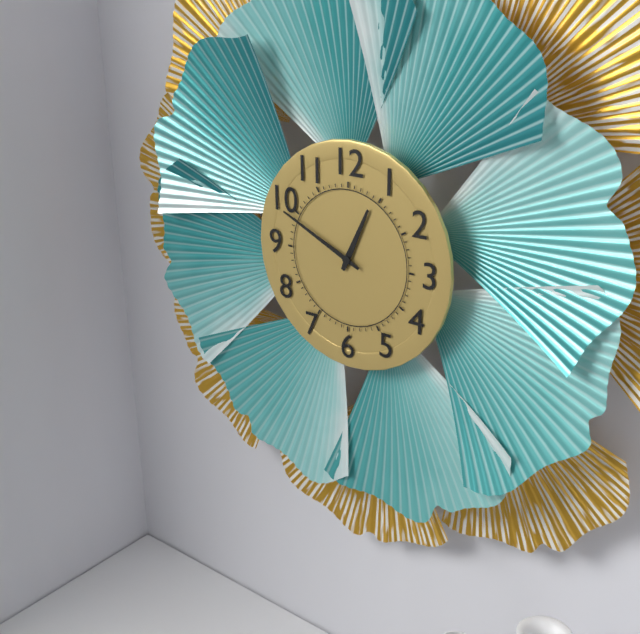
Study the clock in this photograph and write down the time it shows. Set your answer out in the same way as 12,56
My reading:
12,49
